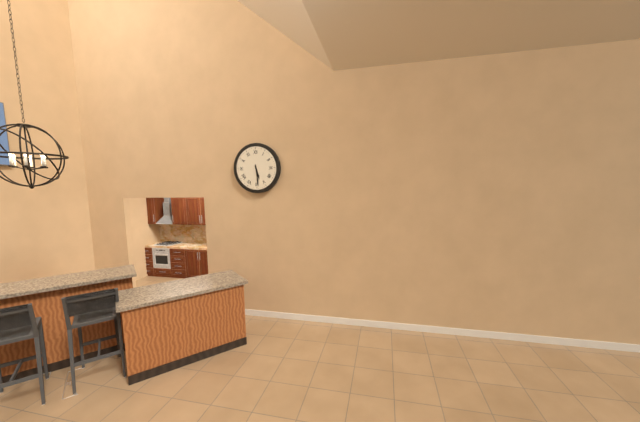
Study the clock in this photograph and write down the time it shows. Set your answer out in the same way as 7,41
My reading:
5,29
